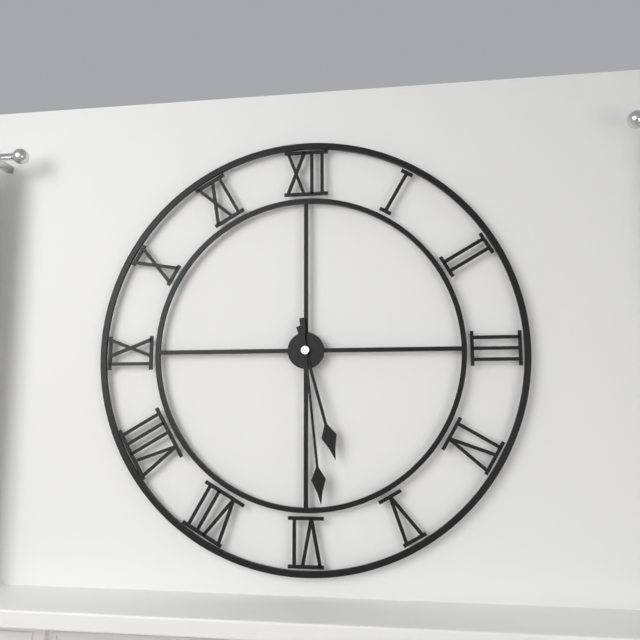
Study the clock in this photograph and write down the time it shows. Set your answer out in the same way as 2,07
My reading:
5,29
